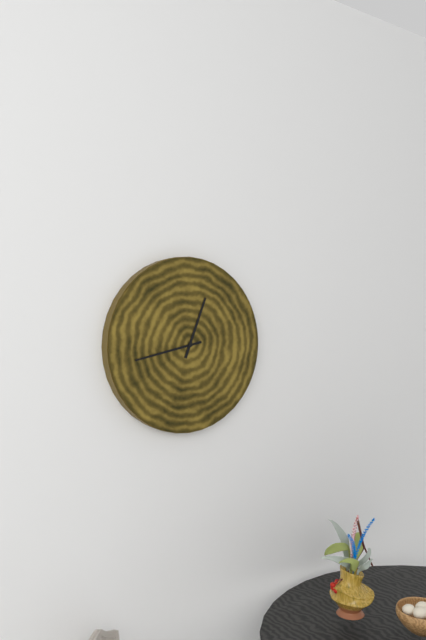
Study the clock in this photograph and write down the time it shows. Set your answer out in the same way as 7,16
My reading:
12,43
